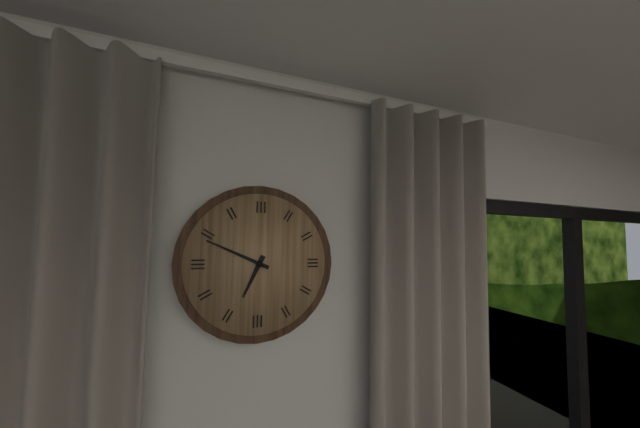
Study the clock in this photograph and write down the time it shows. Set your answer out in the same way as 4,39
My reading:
6,49
